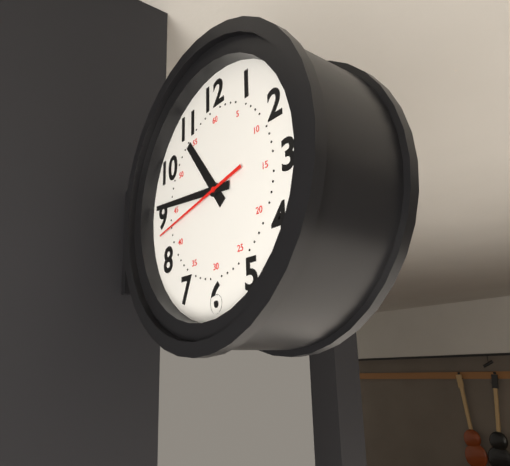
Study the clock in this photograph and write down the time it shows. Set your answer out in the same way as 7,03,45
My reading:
10,46,43
